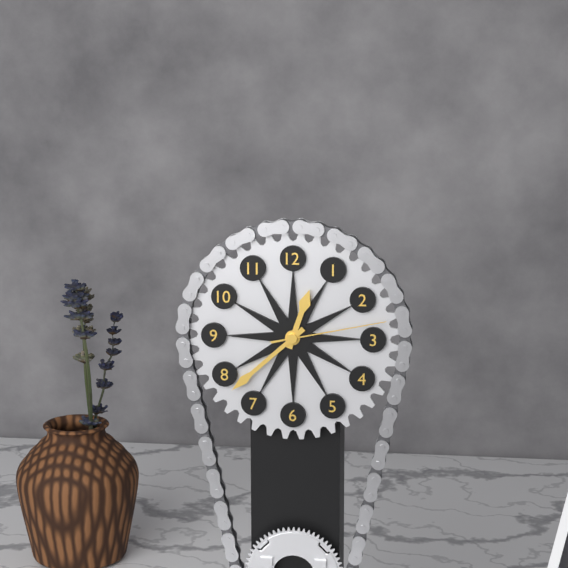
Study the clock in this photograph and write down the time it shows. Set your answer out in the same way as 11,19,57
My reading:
12,38,13
